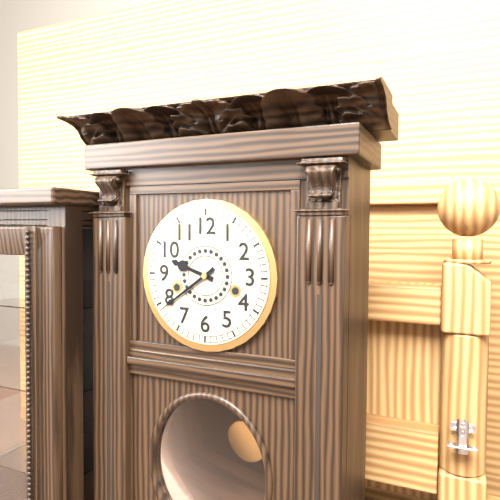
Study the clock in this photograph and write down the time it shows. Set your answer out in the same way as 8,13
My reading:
9,39
